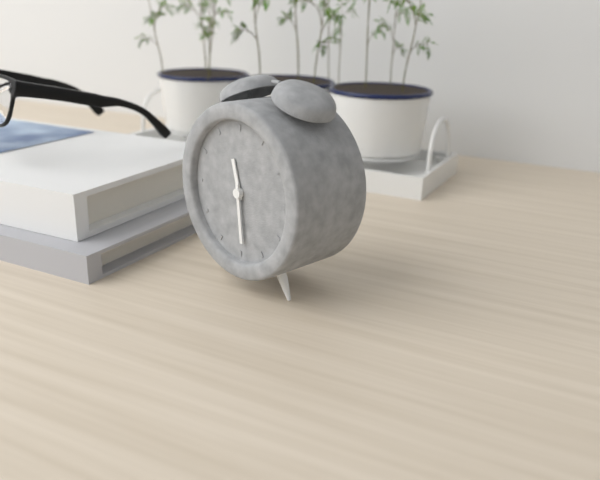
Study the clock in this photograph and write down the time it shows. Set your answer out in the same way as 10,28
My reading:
11,29
